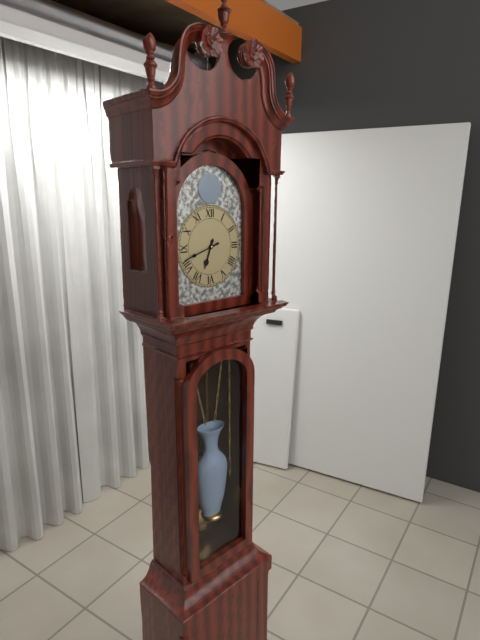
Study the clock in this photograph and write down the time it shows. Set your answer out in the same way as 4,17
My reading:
6,42
